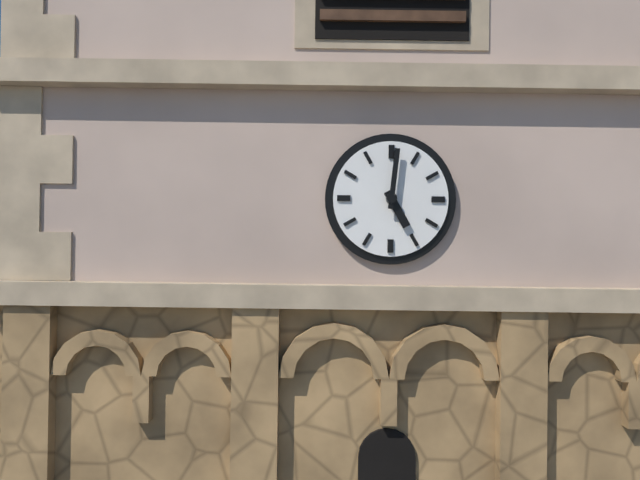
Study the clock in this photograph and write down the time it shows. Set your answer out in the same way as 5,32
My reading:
5,01
